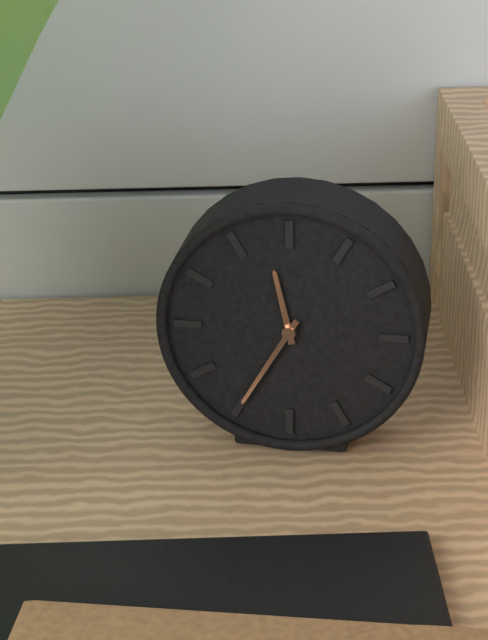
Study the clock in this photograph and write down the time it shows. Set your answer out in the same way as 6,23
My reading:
11,35
